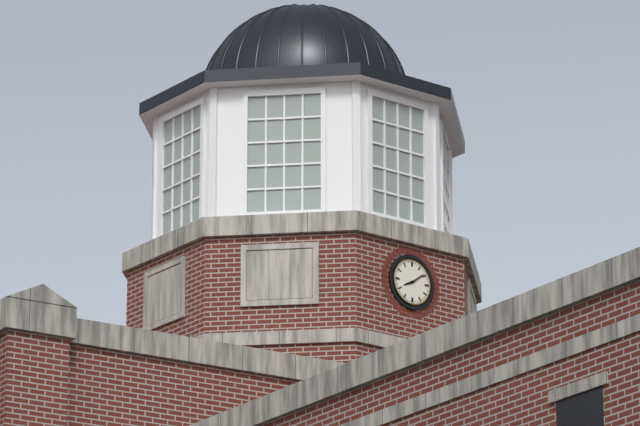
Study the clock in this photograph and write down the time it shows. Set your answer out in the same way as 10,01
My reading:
8,09
